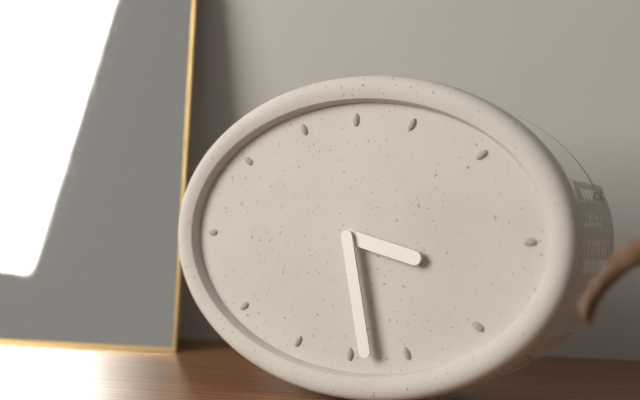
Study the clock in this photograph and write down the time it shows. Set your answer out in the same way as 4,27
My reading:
3,28
